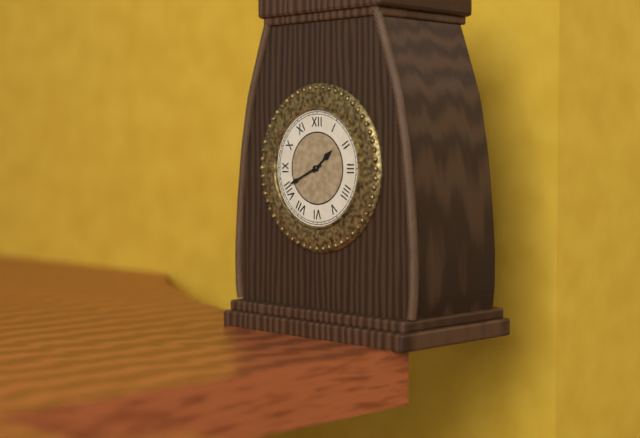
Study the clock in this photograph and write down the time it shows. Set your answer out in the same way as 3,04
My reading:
1,41
